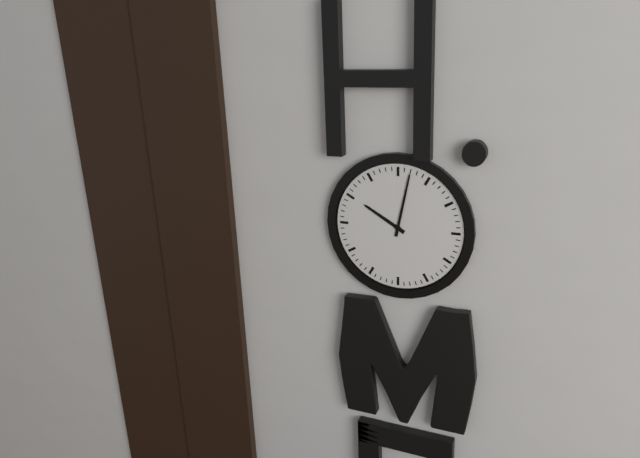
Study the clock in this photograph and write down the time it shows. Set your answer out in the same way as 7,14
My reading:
10,02
